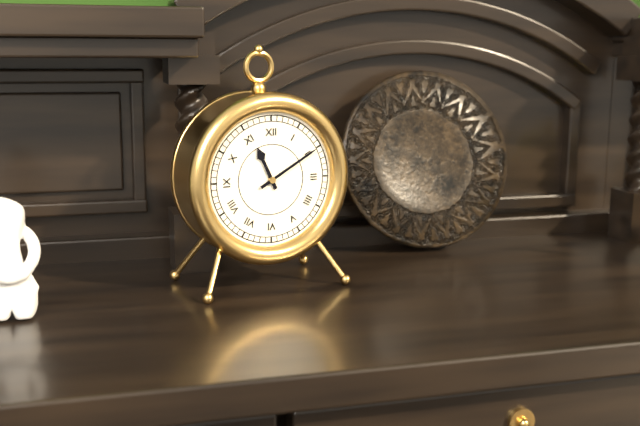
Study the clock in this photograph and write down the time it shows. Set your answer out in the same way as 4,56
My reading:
11,10
